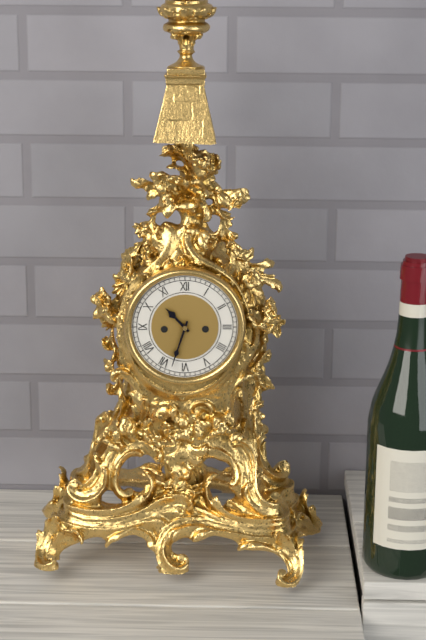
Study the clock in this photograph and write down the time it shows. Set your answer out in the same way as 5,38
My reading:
10,33
